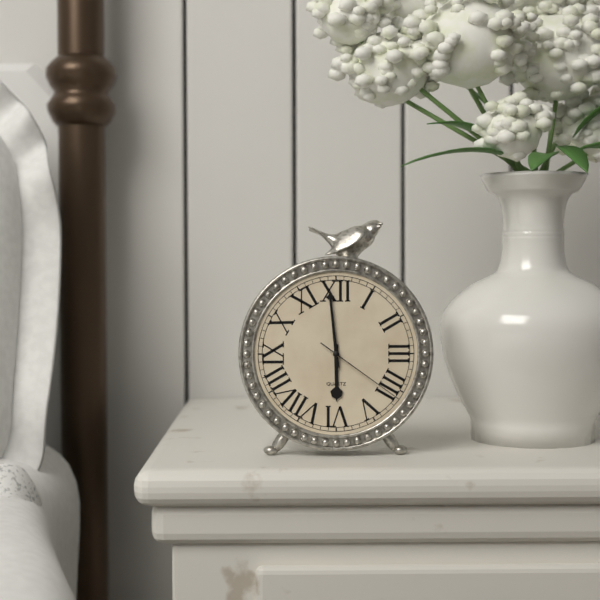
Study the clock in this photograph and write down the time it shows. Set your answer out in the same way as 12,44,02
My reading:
5,59,21
